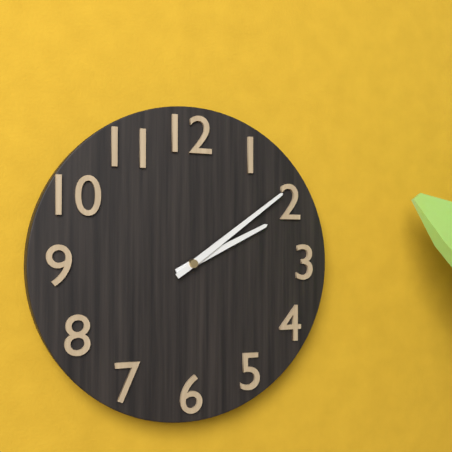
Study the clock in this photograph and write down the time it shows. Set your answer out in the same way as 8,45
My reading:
2,09
